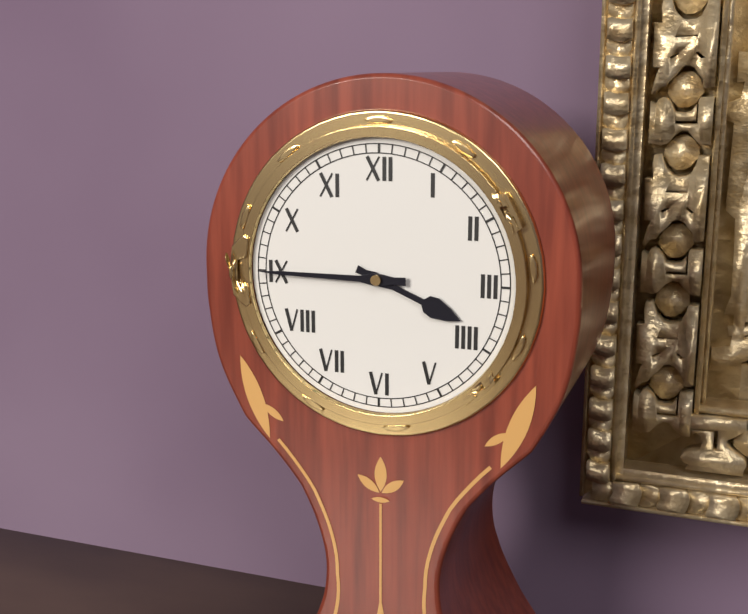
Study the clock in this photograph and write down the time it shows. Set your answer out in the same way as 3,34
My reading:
3,45
